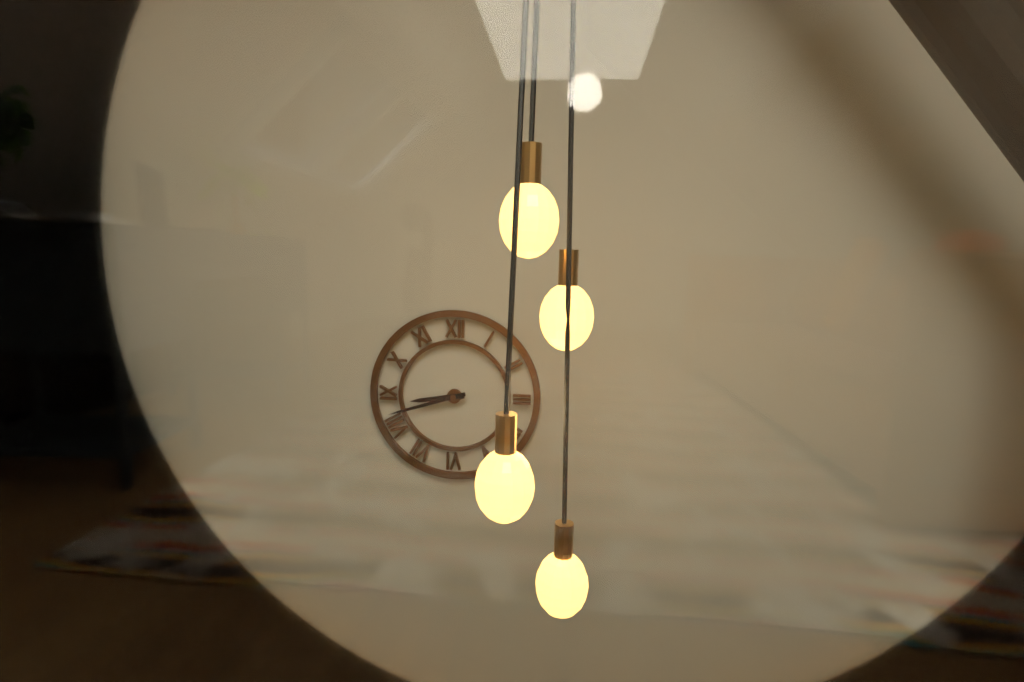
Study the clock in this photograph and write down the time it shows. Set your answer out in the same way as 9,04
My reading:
8,42
